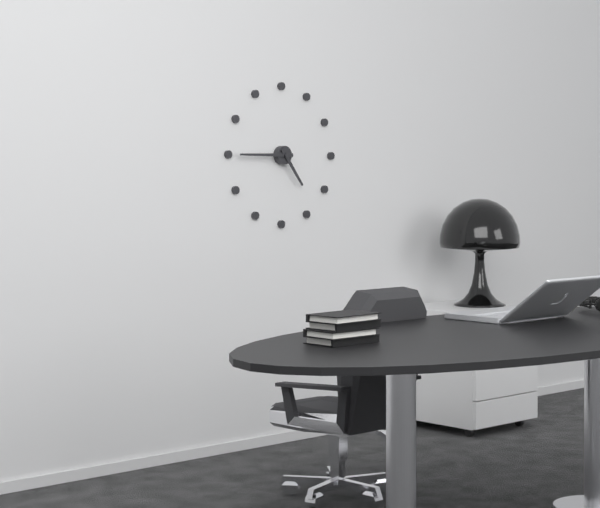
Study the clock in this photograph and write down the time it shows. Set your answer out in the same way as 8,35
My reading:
4,45
